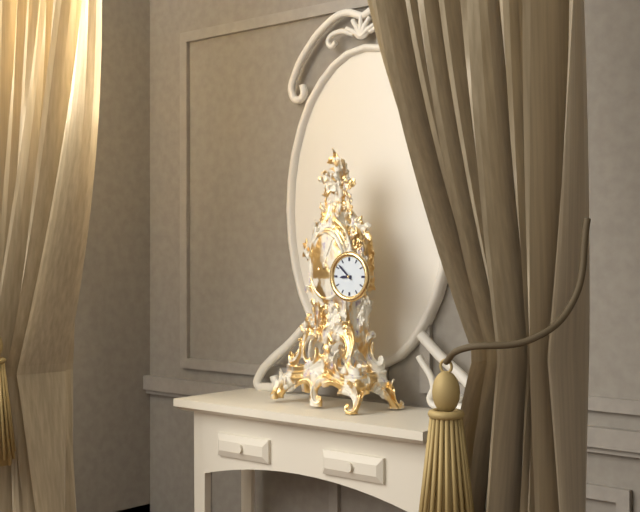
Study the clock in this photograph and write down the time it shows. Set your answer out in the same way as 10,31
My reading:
8,52
